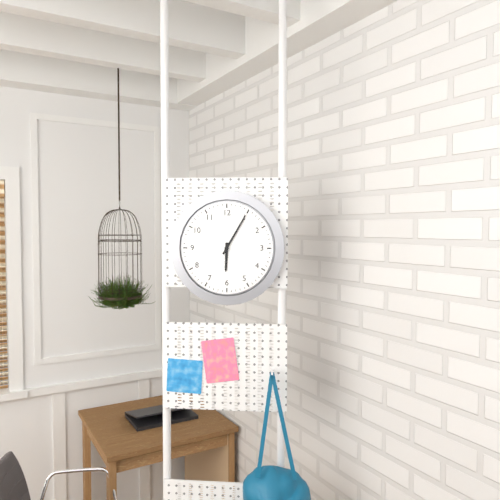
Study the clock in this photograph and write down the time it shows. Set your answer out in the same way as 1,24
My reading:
6,05
